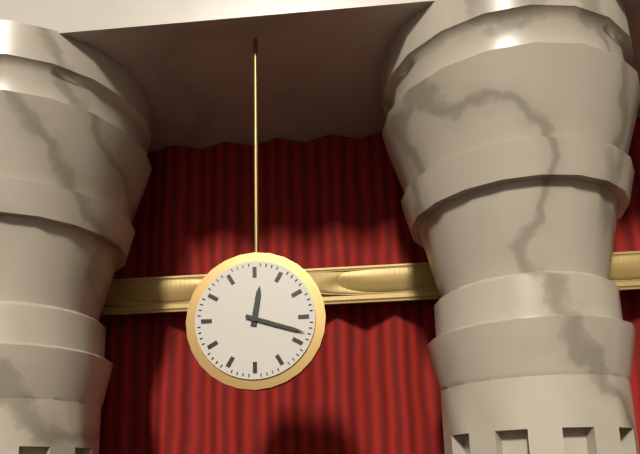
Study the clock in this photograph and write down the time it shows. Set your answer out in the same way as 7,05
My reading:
12,18
